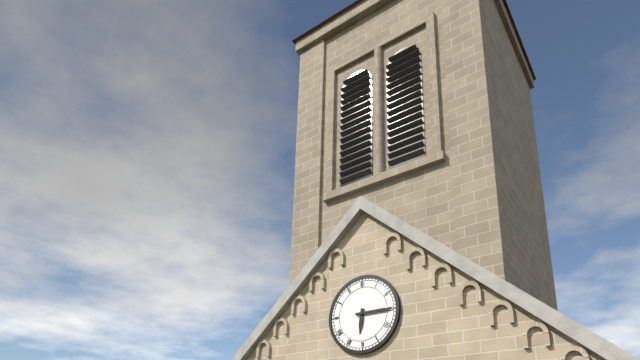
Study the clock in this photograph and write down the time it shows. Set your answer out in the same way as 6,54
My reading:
6,15
